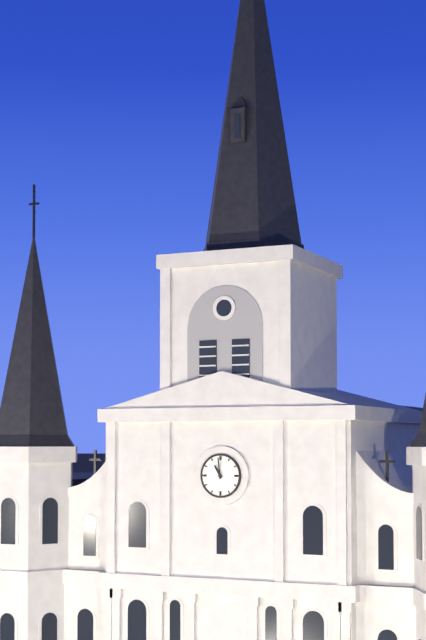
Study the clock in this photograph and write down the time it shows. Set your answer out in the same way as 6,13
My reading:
10,59
